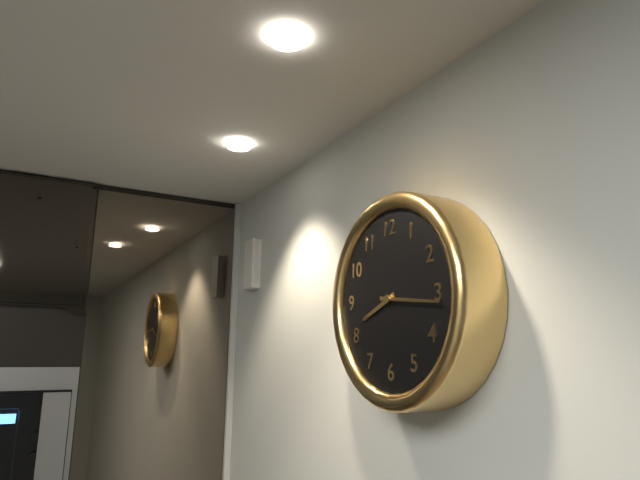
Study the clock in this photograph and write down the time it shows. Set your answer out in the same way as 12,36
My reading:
8,16
